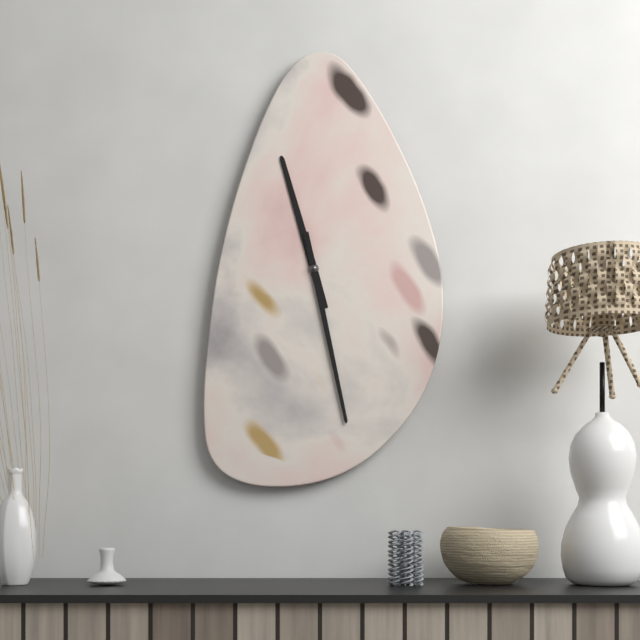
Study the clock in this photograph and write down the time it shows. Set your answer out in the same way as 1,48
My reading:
11,28
